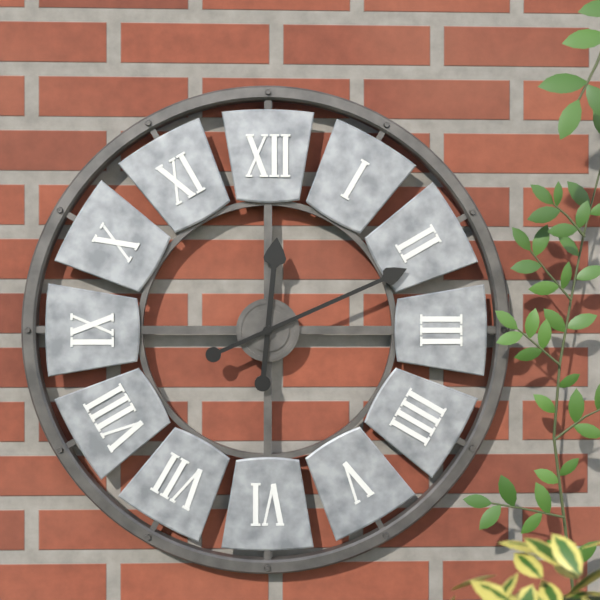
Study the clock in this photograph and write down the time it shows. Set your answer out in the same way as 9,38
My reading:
12,11
